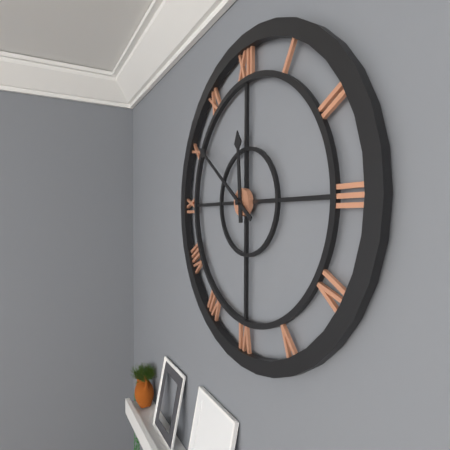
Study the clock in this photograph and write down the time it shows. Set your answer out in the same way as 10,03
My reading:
11,51
